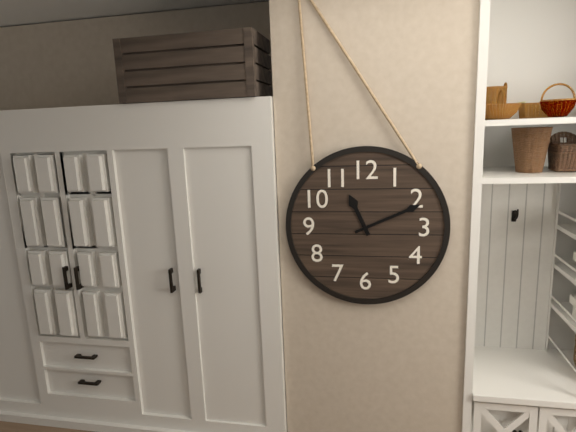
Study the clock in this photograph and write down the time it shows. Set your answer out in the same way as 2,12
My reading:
11,11
